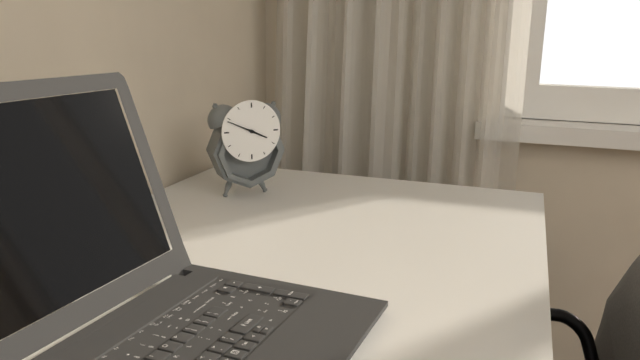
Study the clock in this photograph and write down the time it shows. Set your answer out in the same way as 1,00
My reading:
3,49
